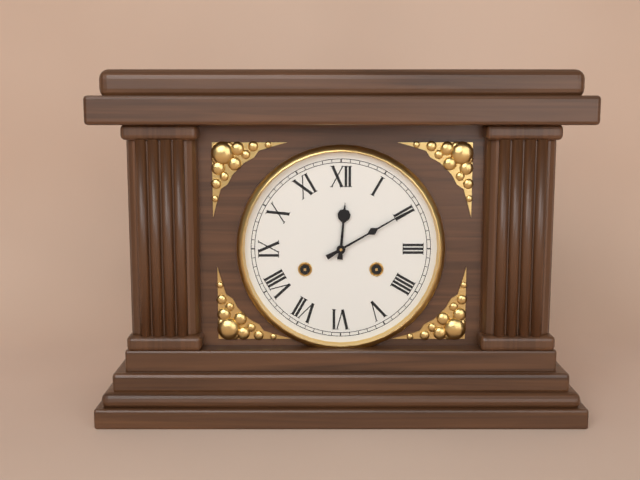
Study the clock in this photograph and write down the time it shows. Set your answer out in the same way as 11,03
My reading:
12,10
